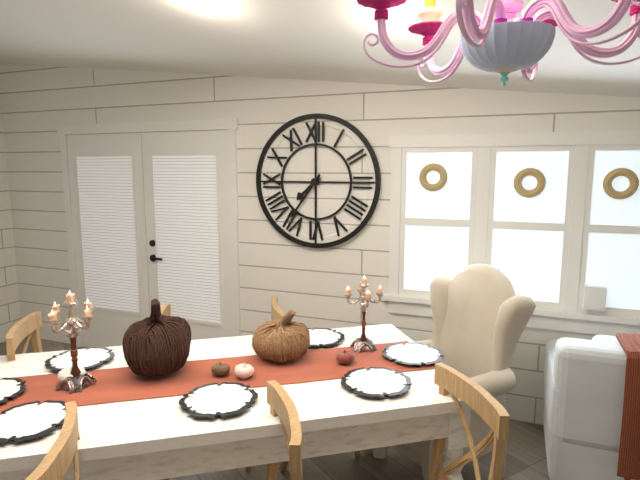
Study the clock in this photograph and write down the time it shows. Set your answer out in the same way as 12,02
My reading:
7,36
